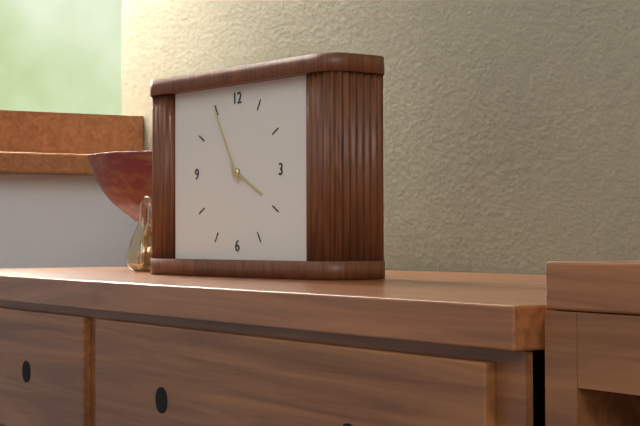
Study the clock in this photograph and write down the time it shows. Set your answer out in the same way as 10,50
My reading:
3,55
